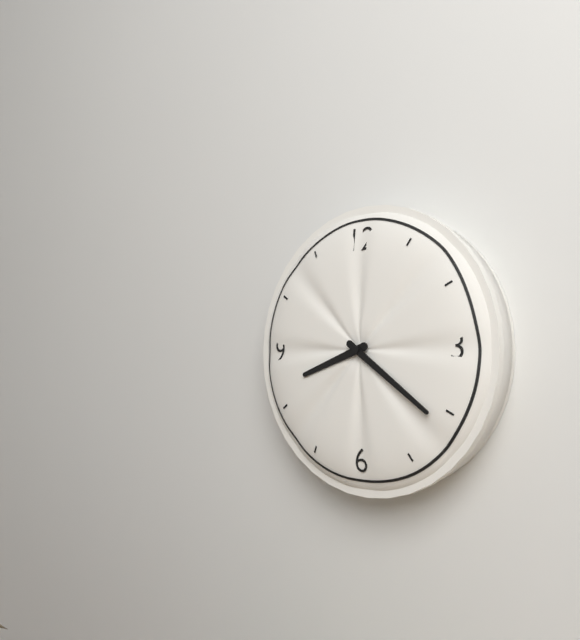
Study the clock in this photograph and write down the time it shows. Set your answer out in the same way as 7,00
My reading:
8,21
